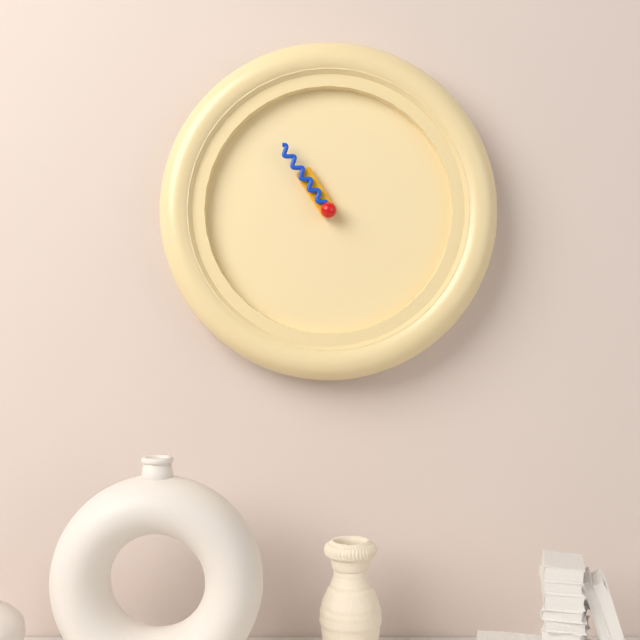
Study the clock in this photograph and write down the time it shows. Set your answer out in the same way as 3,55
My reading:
10,54
